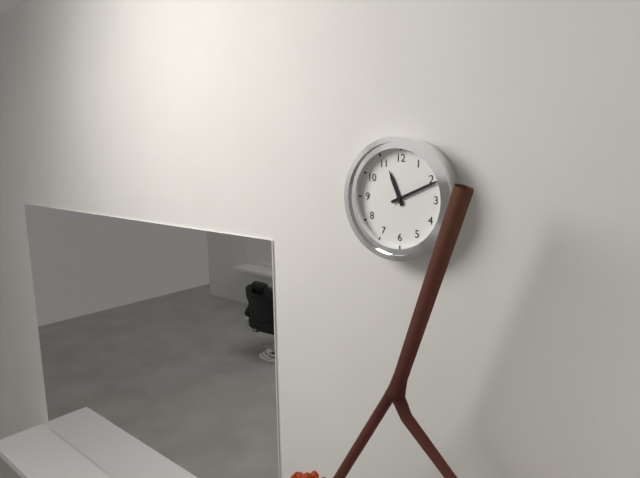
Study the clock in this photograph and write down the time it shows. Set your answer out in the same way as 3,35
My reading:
11,11
